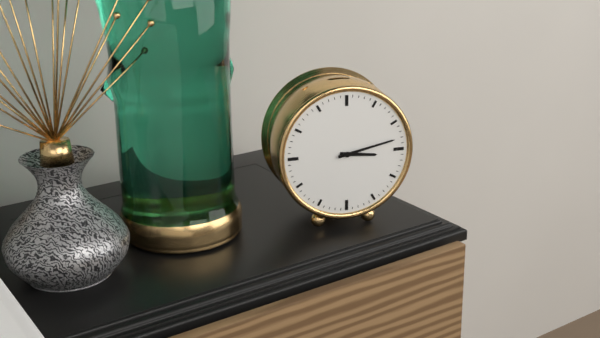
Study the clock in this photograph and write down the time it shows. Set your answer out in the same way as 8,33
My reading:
3,13
